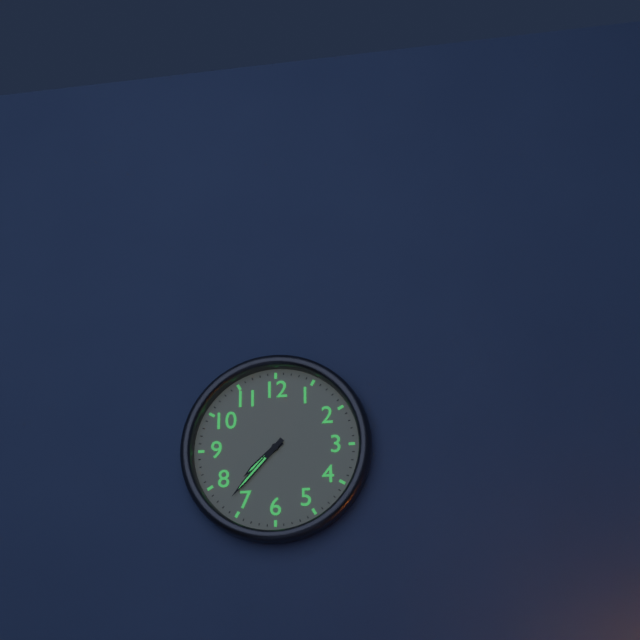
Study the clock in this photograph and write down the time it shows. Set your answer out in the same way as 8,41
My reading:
7,37
